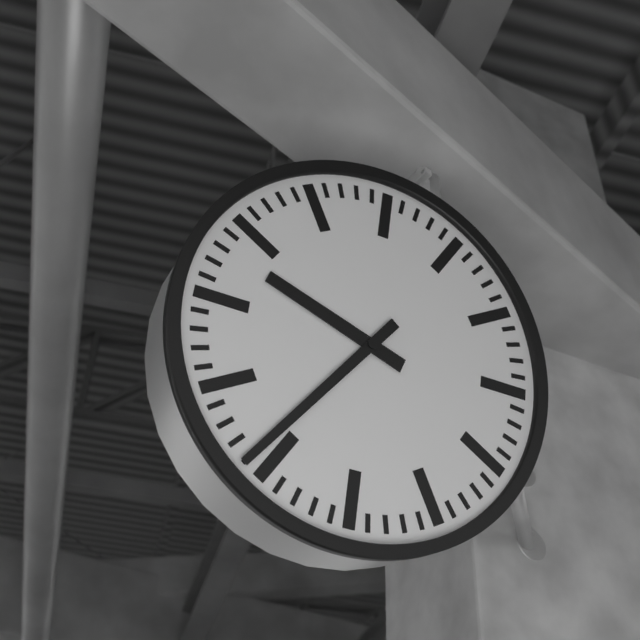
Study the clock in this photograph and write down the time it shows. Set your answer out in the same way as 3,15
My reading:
9,36
